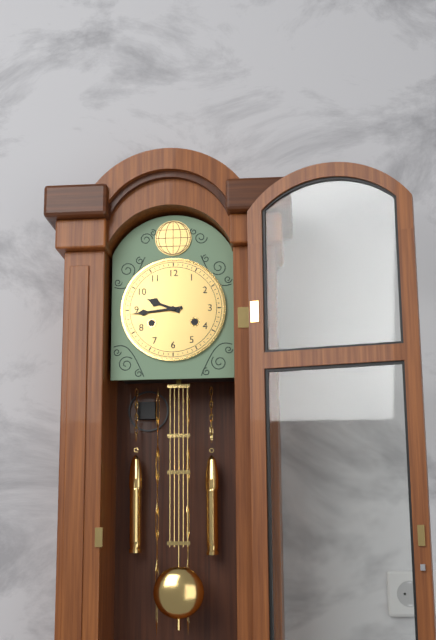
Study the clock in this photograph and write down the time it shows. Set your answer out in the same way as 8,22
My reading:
9,44
